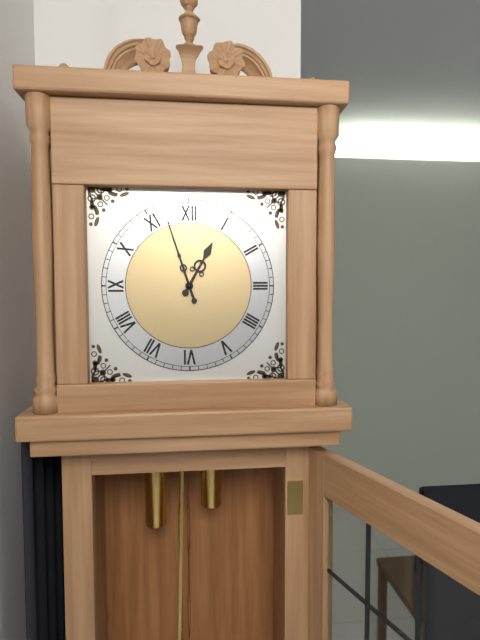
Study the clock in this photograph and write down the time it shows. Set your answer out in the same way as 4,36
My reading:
12,57
